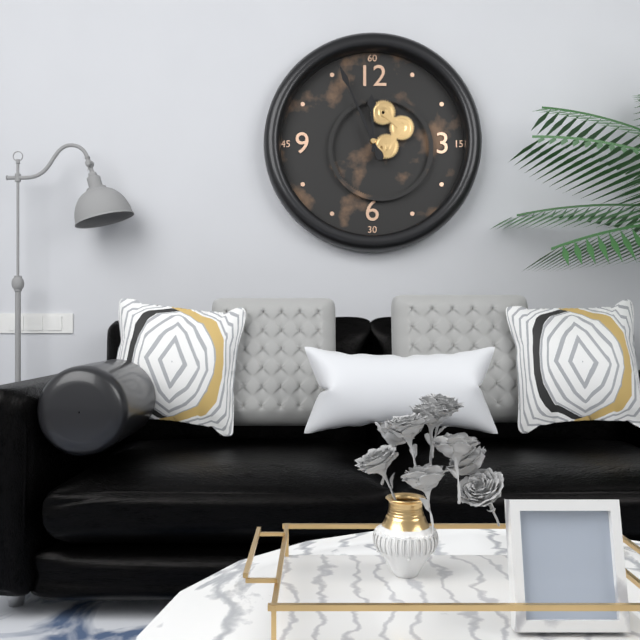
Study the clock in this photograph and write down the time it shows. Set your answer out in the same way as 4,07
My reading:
11,56
